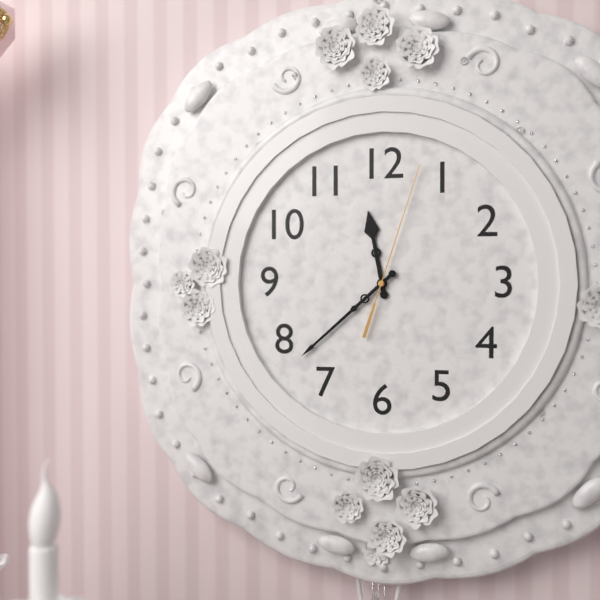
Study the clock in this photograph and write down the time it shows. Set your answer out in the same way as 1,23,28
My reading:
11,38,03
